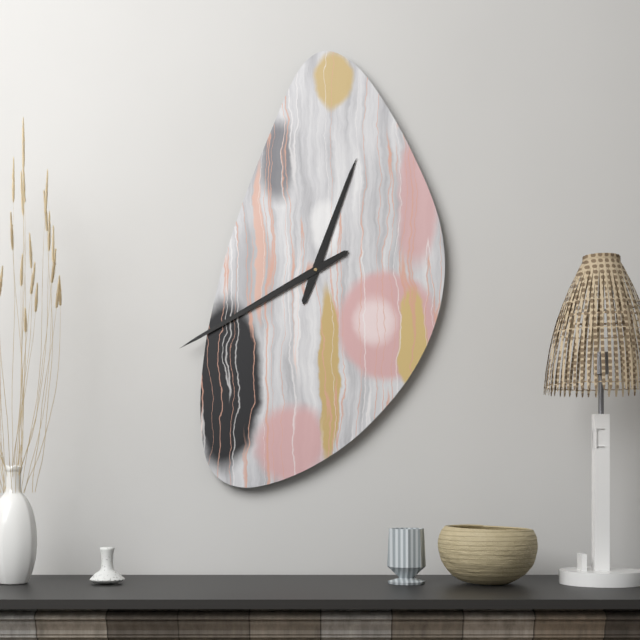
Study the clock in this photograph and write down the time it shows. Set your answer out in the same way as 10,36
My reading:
12,40
